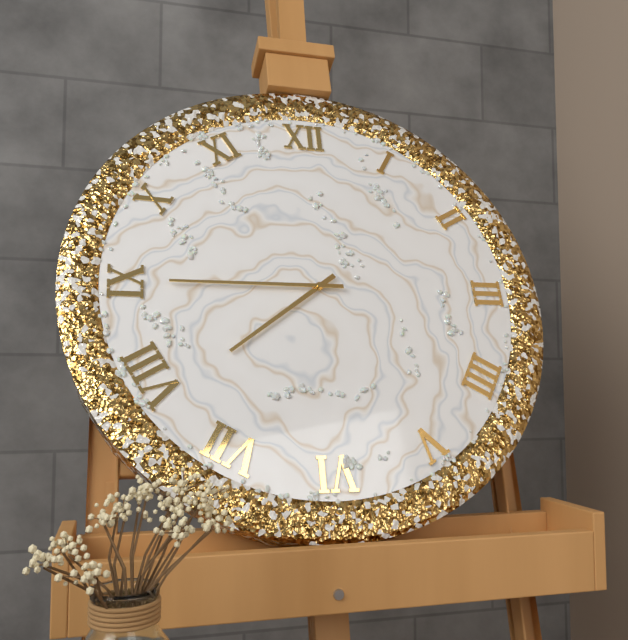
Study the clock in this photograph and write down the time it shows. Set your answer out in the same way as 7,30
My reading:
7,45
